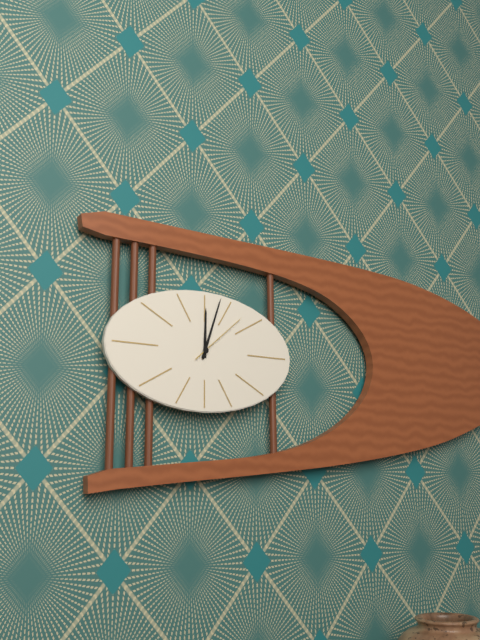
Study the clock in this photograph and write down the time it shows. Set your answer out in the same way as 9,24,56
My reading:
12,03,08
